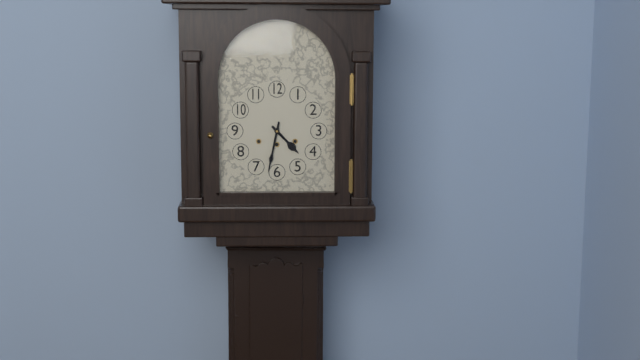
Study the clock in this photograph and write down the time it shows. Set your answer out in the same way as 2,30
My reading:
4,32
